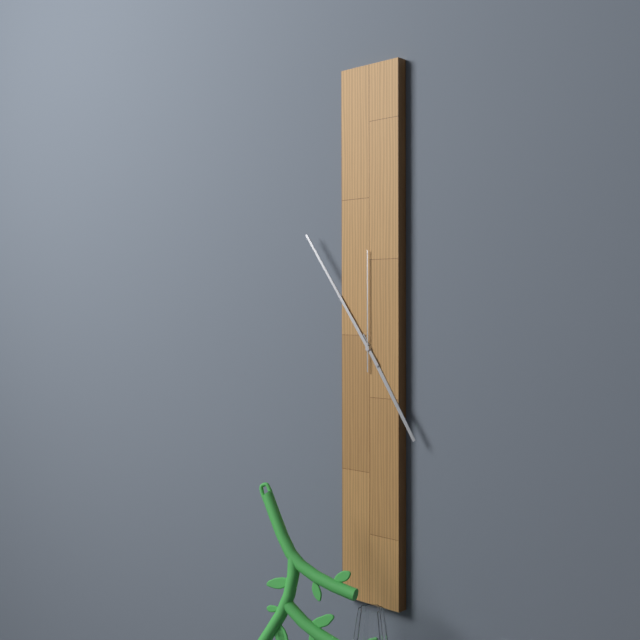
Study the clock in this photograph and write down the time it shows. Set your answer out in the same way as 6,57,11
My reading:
4,54,00
